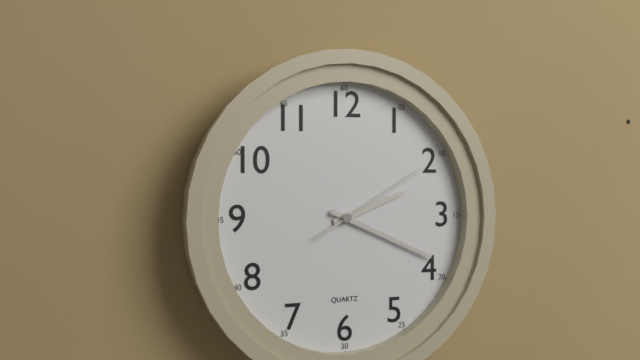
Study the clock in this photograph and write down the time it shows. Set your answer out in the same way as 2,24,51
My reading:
2,19,10
